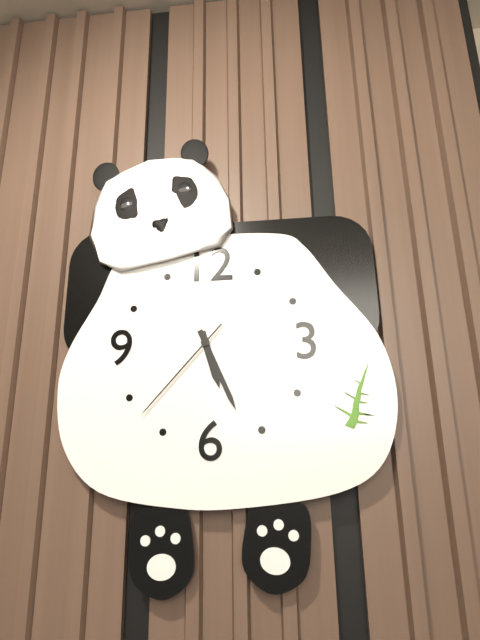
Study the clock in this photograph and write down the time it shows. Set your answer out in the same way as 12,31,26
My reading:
5,26,37
